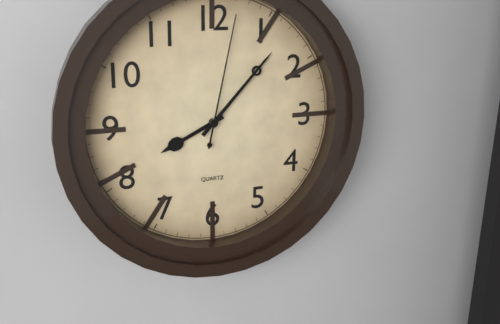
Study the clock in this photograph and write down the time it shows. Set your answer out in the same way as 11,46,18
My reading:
8,07,02
